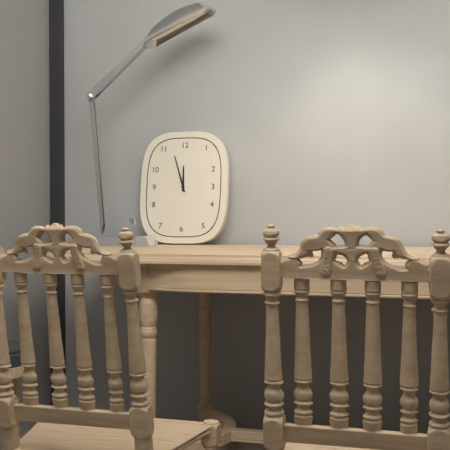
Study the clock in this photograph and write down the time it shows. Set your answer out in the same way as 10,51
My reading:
11,57
